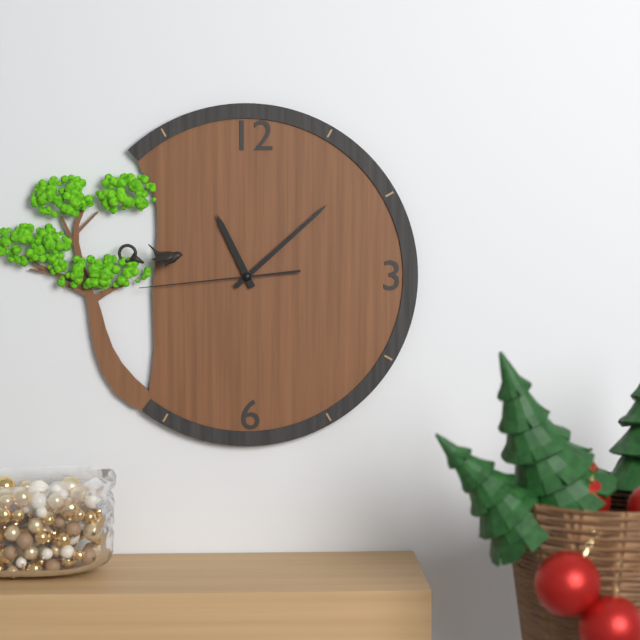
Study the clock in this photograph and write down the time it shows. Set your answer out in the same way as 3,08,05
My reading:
11,08,44
